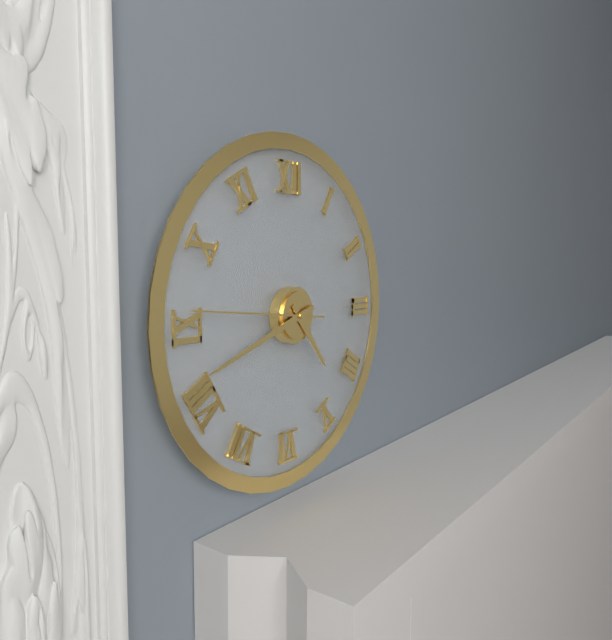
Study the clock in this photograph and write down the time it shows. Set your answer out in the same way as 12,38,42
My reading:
4,42,46
